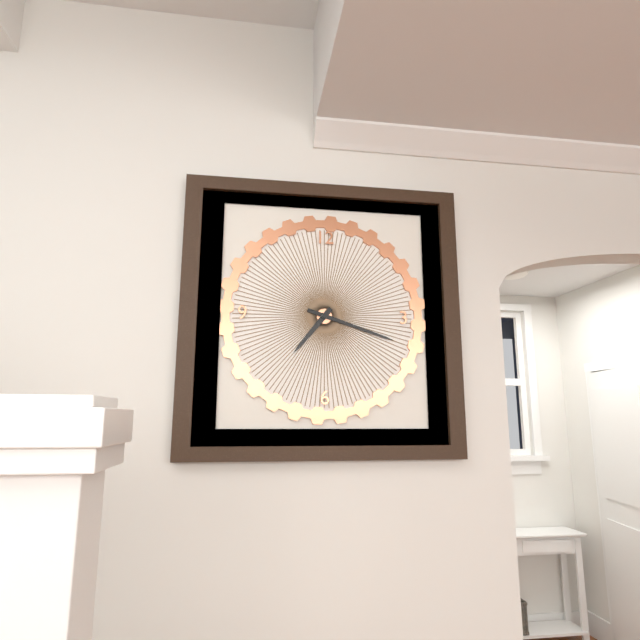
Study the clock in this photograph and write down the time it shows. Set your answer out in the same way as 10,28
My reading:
7,18
